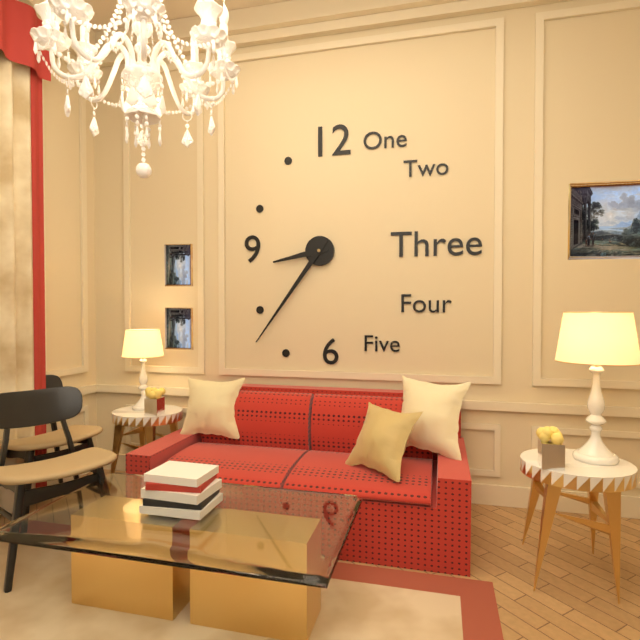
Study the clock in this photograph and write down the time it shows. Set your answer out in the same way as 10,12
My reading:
8,36
